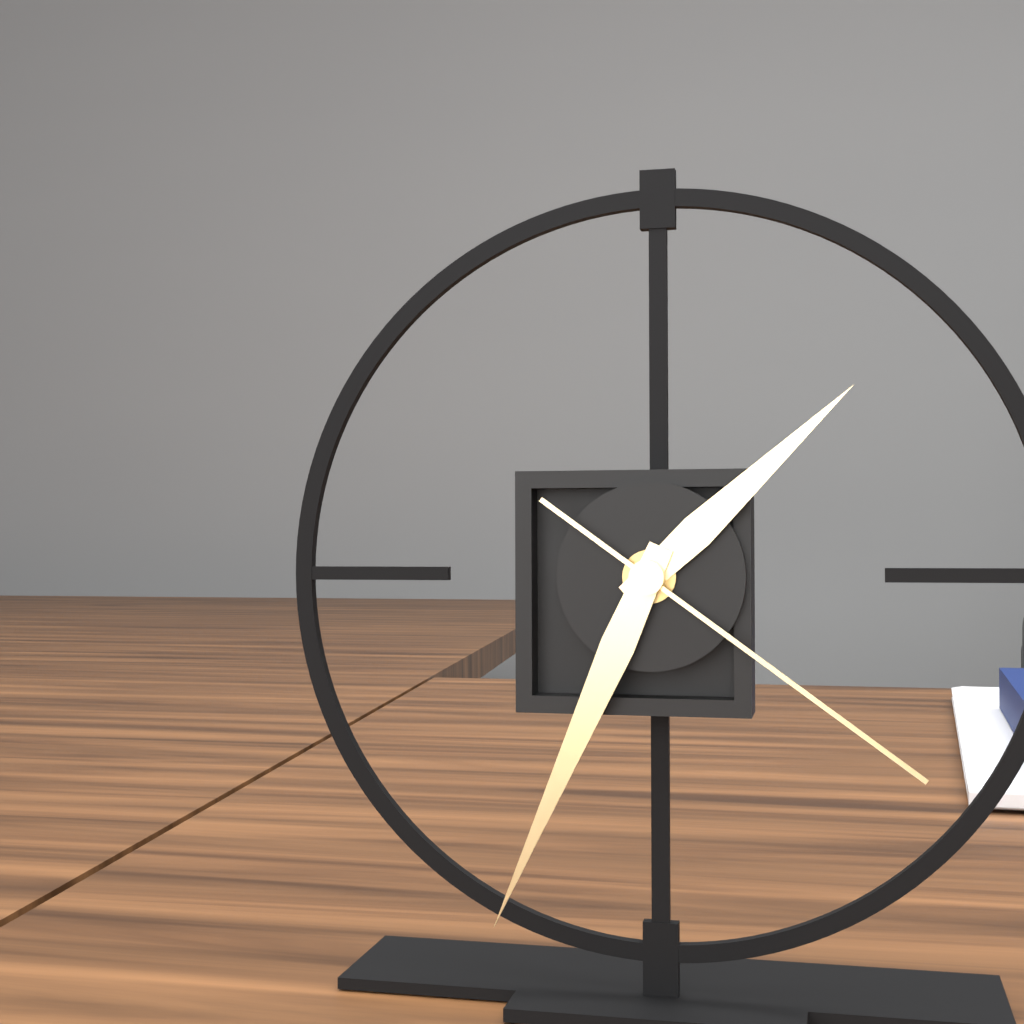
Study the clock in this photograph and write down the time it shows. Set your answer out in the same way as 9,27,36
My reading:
1,34,21
